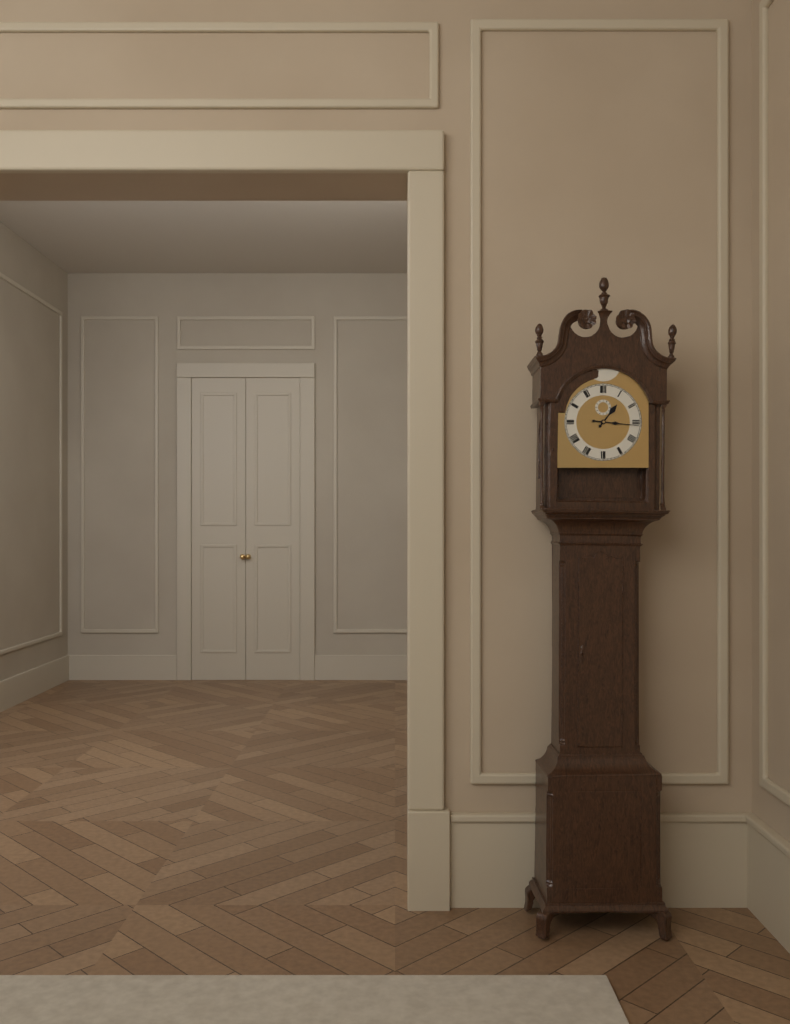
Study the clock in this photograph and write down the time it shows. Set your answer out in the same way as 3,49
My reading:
1,16
